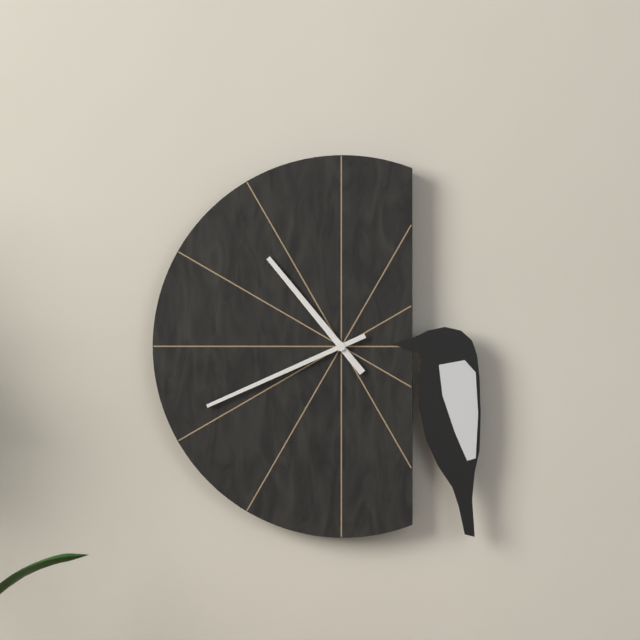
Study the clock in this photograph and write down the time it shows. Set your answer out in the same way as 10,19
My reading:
10,41
